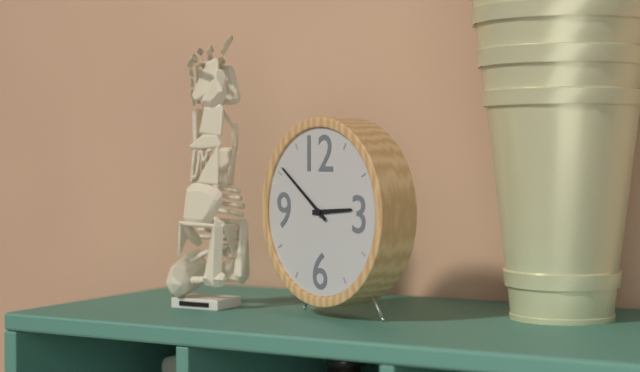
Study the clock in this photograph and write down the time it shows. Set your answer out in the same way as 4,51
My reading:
2,51
